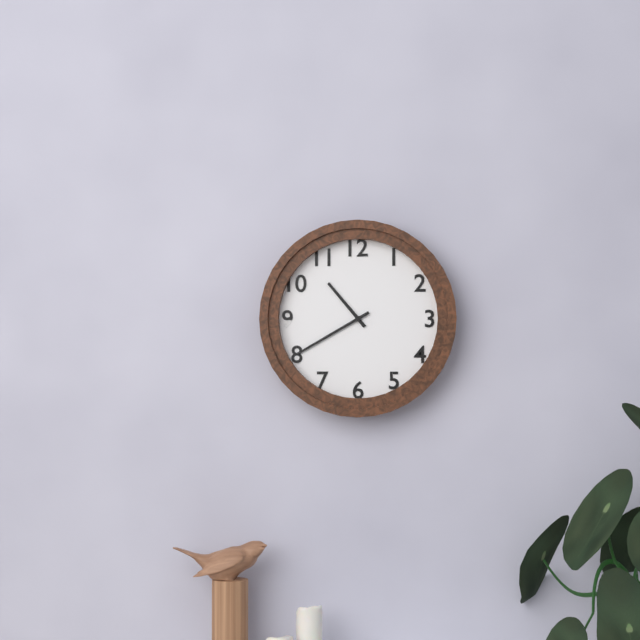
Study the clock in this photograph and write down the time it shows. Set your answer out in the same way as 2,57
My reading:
10,40
